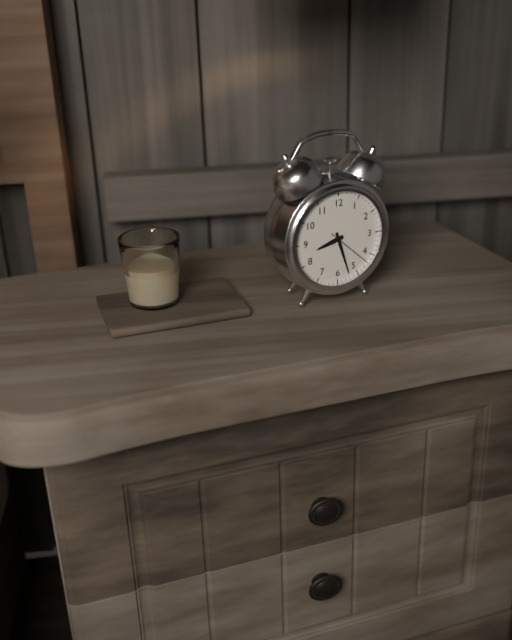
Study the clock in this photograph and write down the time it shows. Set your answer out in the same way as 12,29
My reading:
8,27
